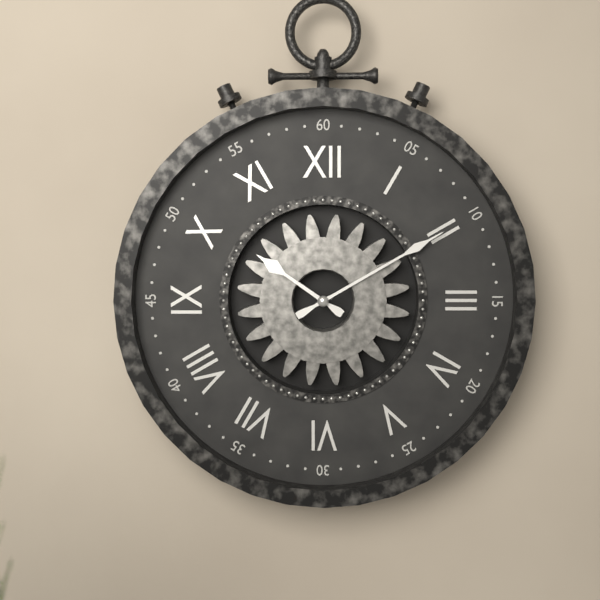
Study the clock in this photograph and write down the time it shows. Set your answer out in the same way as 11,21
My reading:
10,10
